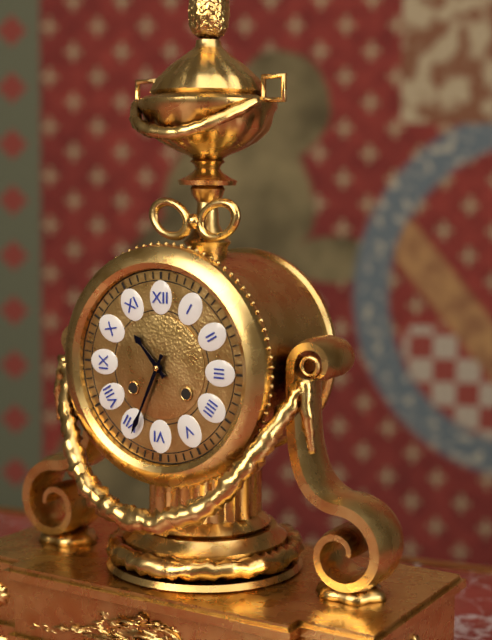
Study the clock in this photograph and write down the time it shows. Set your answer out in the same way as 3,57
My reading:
10,34
